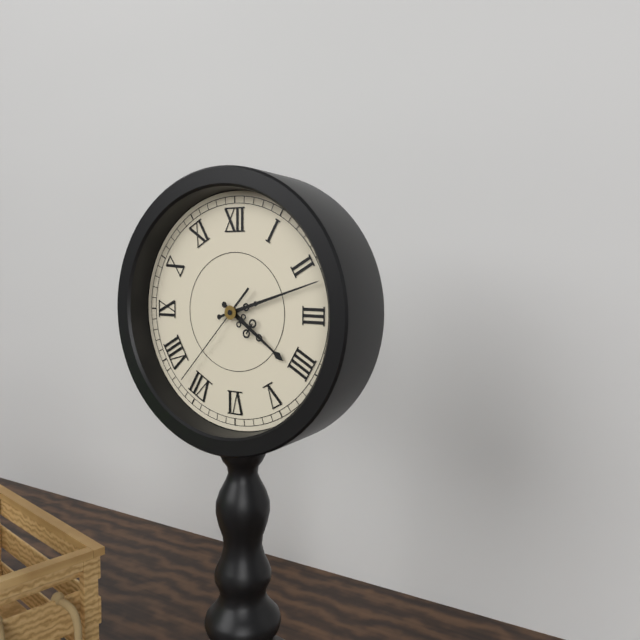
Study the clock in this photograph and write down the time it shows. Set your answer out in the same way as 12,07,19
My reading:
4,12,37
